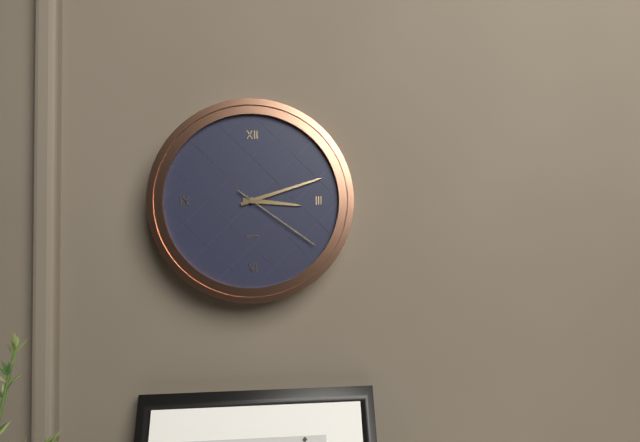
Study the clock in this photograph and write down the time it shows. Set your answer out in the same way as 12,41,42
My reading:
3,12,21
